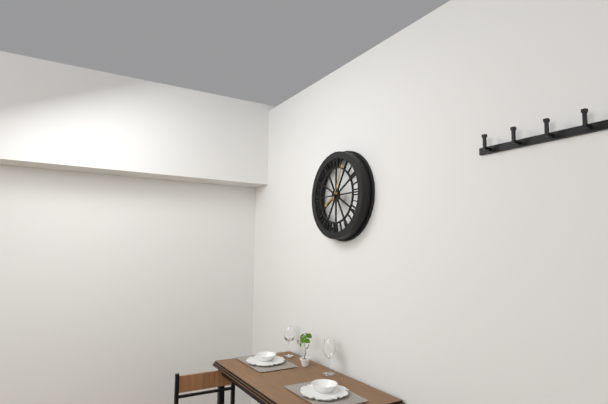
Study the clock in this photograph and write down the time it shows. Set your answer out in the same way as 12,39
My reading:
8,04
